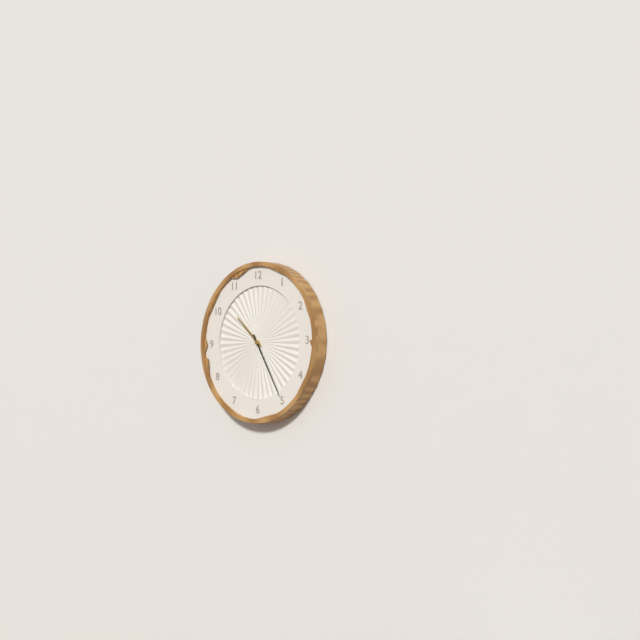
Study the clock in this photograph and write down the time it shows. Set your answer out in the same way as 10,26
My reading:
10,25
